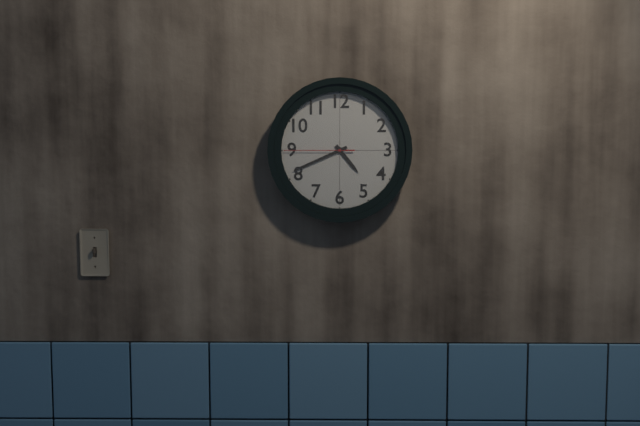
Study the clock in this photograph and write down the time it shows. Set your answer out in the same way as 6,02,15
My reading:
4,41,45
